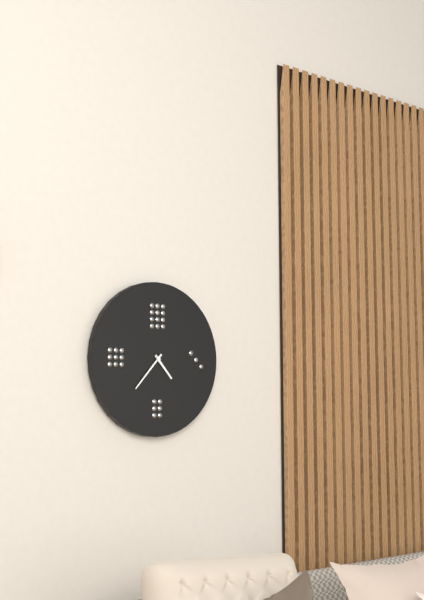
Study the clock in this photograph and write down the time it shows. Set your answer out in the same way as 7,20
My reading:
4,37
